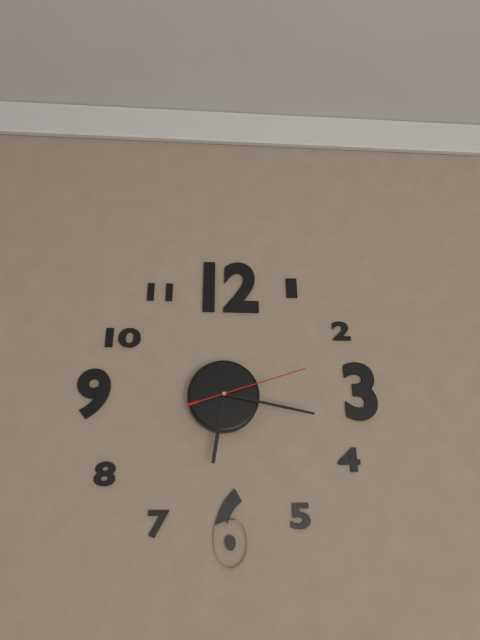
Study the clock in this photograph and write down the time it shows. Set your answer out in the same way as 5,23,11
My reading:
6,17,12
